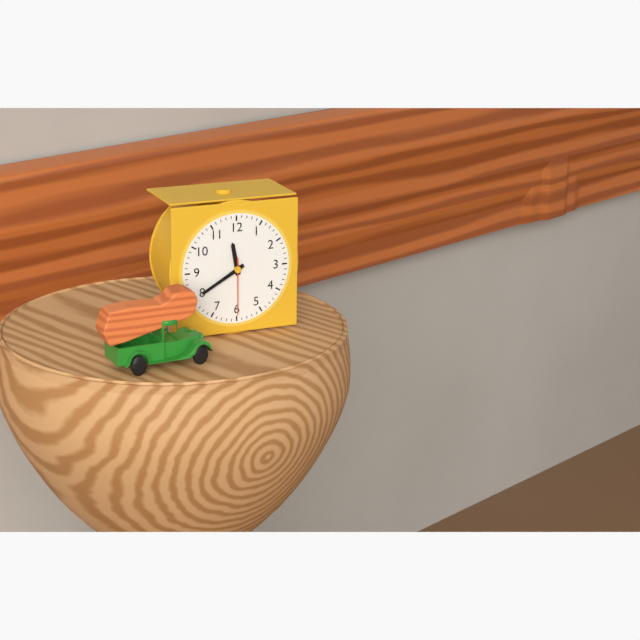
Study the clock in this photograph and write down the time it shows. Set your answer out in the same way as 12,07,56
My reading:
11,40,30
